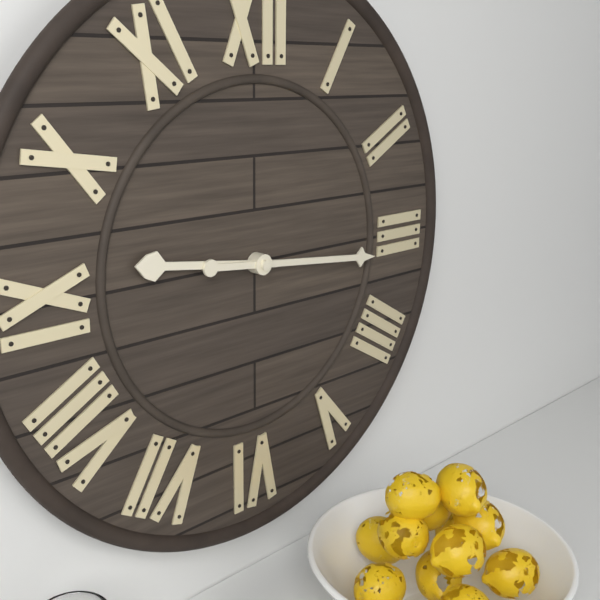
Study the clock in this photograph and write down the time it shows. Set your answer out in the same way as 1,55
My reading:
9,16
